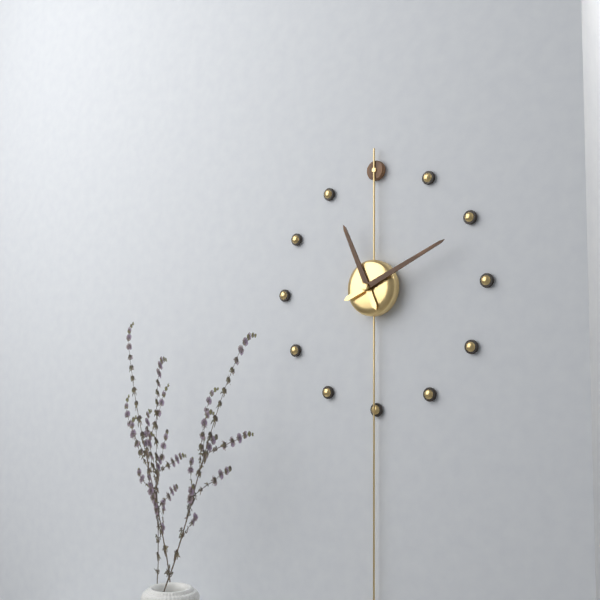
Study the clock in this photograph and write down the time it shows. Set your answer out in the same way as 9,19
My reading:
11,11
